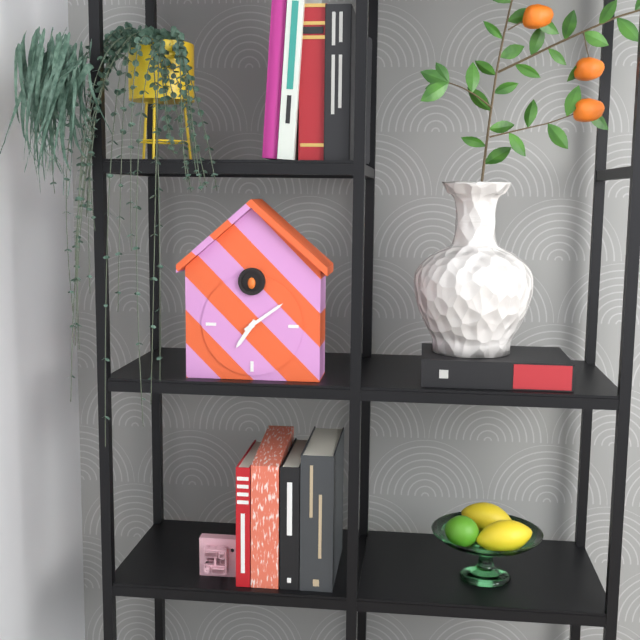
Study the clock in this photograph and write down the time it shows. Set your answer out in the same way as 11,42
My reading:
7,09
